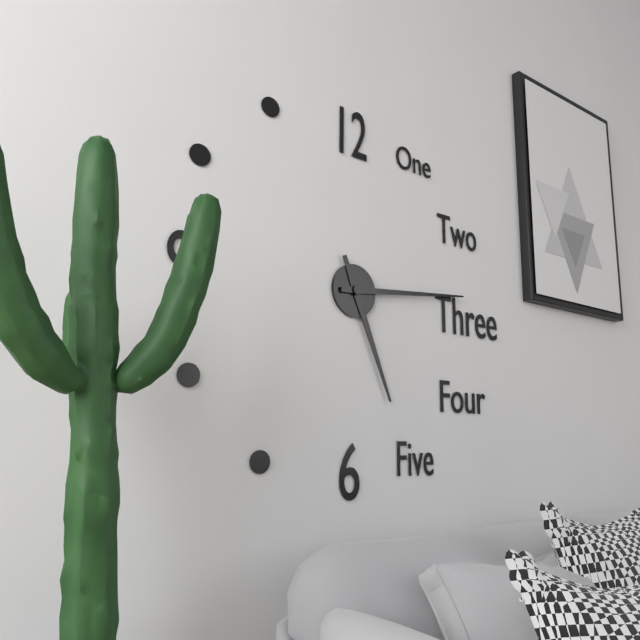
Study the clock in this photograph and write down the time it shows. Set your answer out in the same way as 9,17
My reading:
5,14
